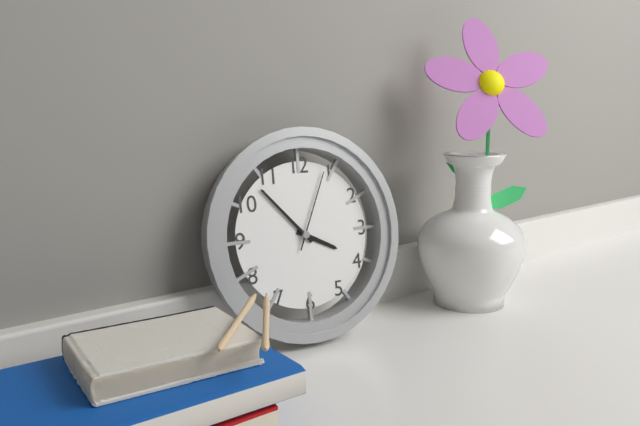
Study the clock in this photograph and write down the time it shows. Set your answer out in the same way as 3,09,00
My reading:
3,53,04
